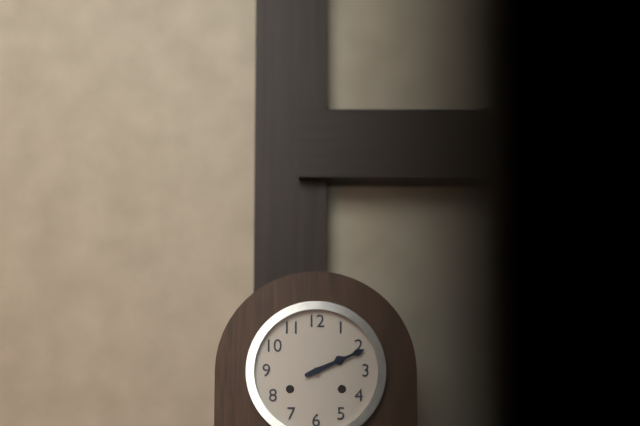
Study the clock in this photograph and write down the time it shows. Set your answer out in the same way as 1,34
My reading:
2,11
